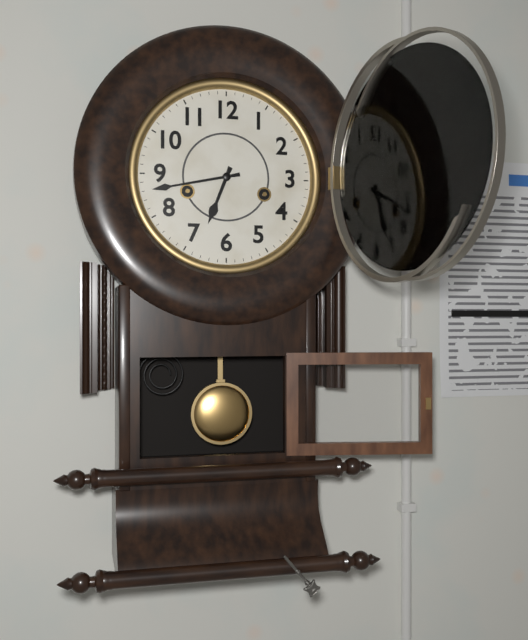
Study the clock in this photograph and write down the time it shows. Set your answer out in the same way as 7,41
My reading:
6,43
